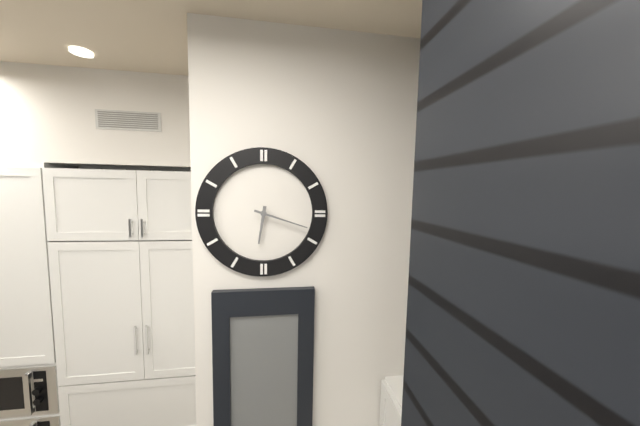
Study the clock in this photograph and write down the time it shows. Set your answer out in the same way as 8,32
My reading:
6,18
